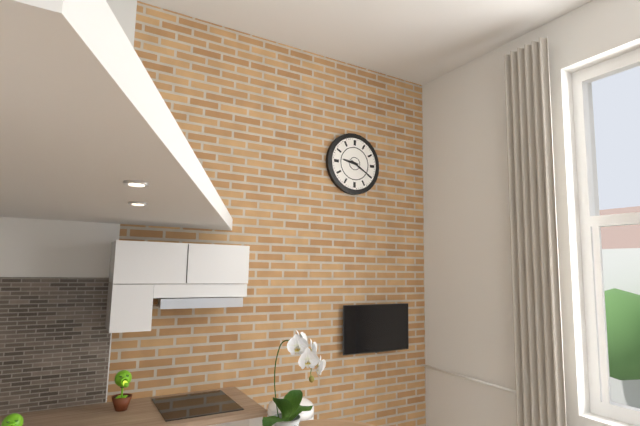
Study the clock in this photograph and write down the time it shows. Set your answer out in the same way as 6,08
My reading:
9,20
